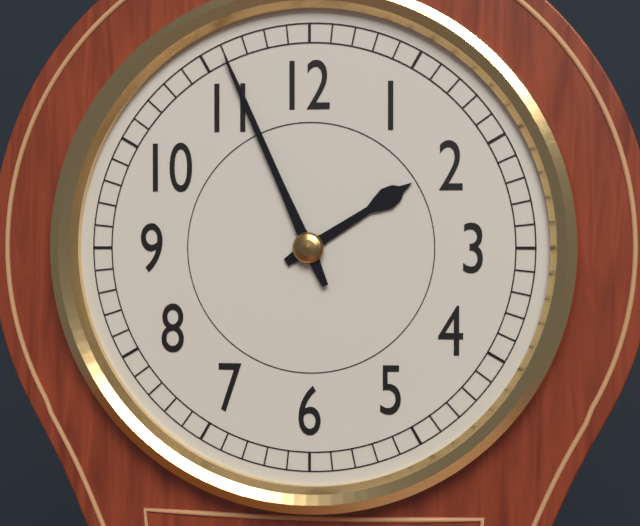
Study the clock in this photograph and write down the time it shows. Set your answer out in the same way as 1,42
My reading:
1,56
